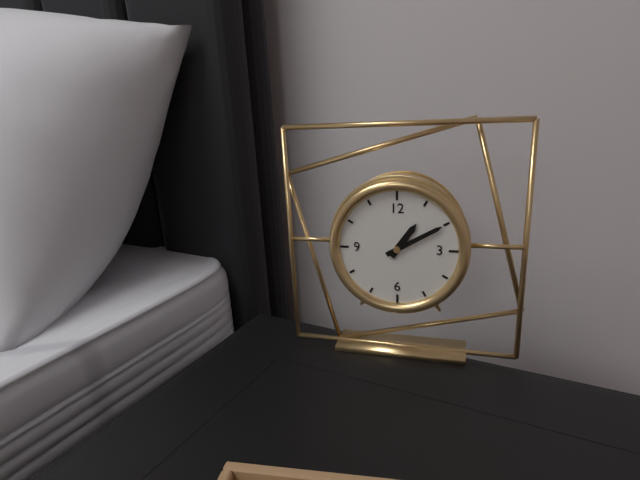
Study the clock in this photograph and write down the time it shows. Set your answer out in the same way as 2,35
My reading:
1,10
